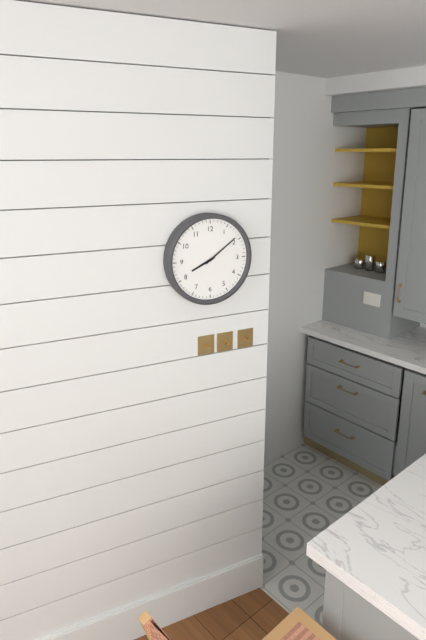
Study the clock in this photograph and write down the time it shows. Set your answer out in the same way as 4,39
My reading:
8,09
